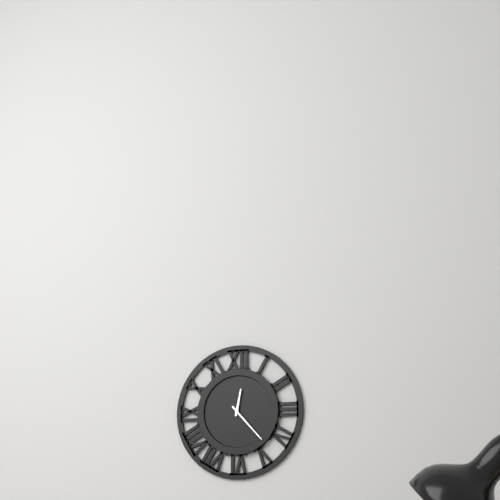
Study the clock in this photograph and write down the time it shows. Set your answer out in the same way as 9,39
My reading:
12,23
